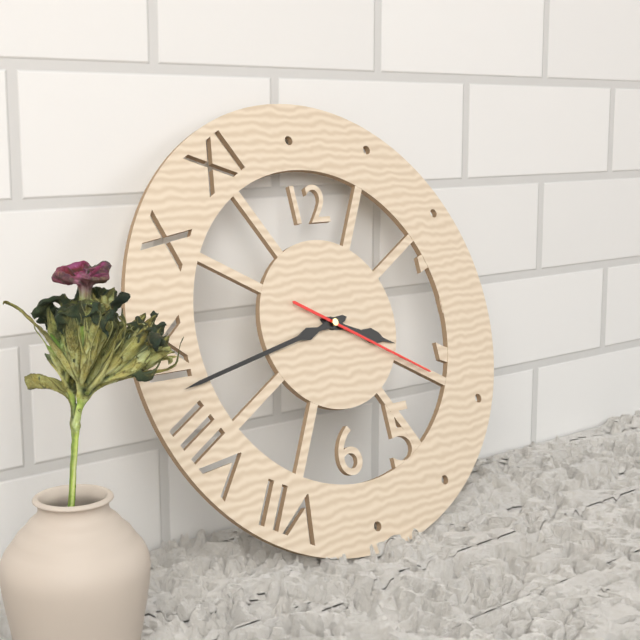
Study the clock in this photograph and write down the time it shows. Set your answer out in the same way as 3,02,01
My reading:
3,43,20
